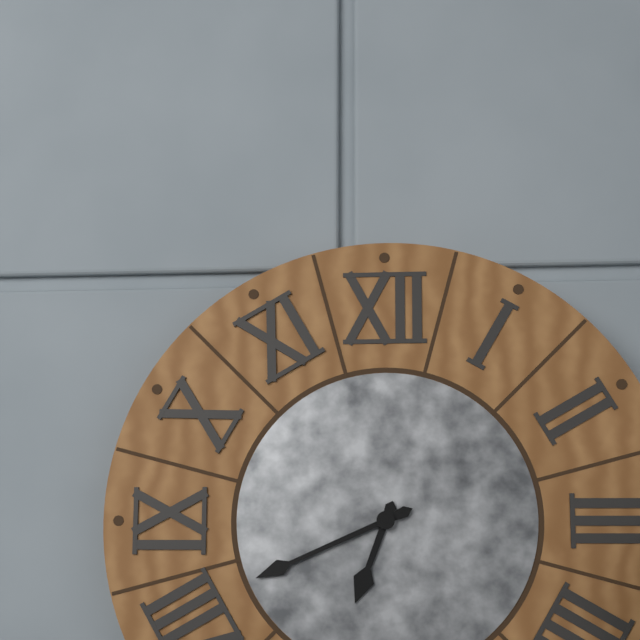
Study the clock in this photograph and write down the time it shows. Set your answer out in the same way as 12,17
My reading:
6,41
